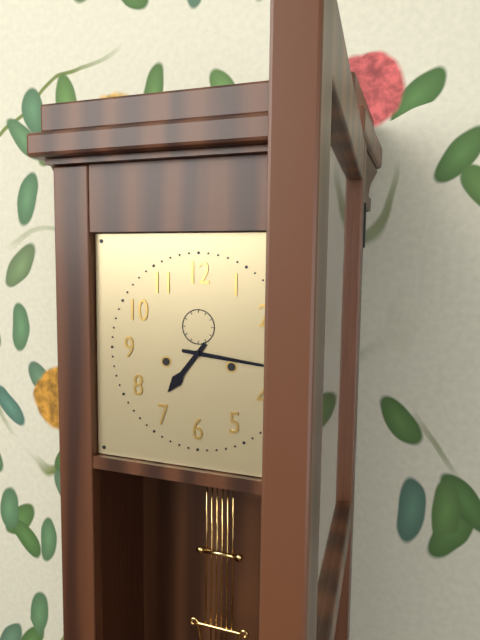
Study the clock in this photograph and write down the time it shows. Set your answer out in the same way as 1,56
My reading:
7,16
